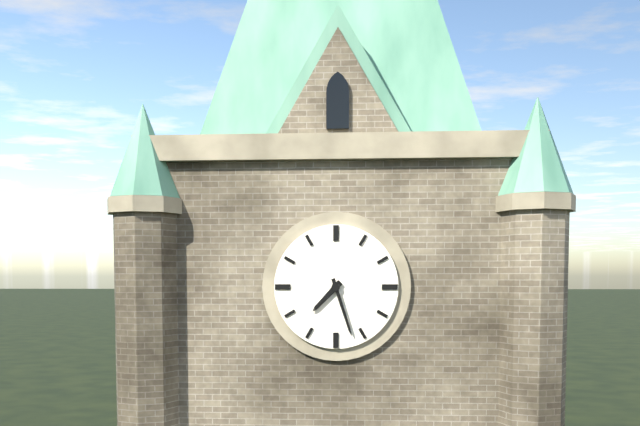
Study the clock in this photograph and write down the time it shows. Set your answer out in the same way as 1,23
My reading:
7,27
